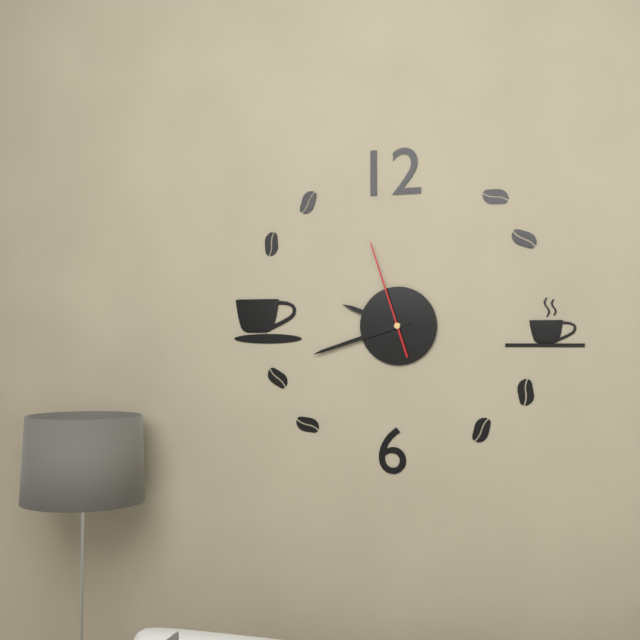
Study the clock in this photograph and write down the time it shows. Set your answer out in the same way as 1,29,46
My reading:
9,42,57
